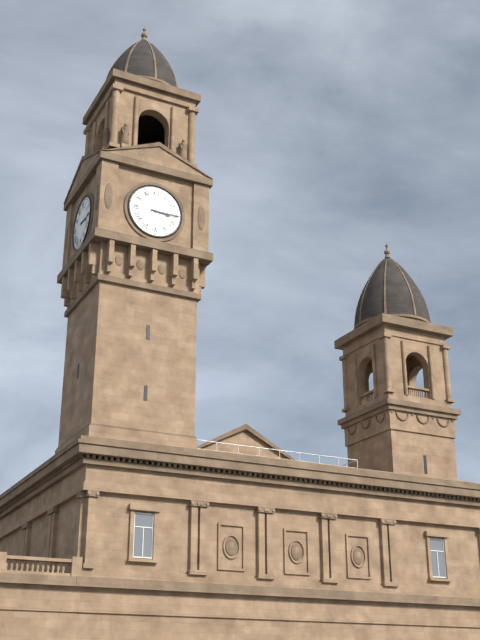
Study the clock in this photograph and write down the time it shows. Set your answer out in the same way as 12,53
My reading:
3,15
